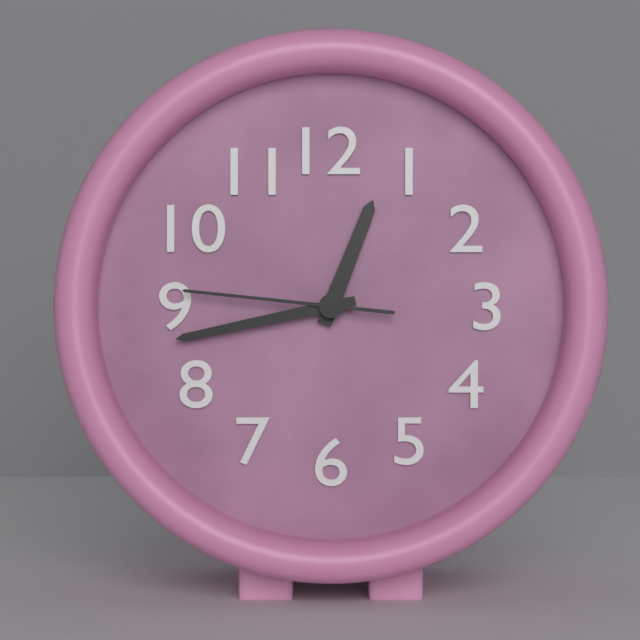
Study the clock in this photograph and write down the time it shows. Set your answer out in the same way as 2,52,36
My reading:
12,43,46
